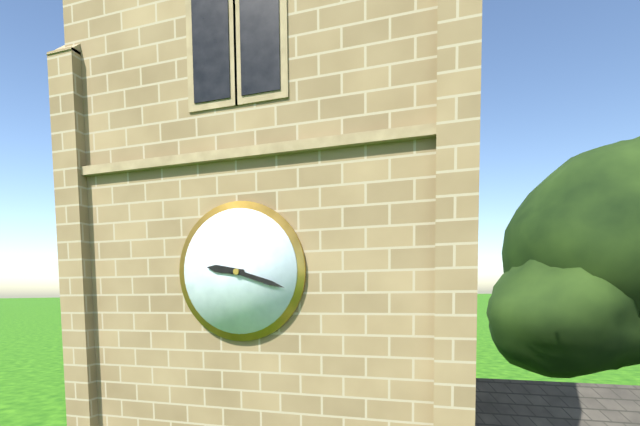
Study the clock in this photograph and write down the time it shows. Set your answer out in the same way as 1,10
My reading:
9,18
